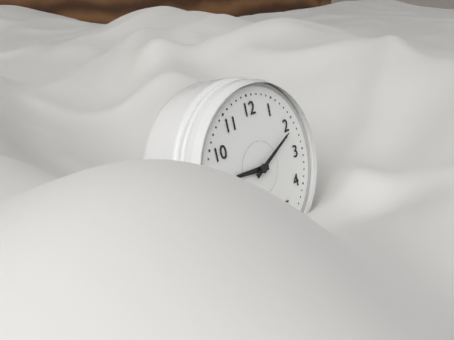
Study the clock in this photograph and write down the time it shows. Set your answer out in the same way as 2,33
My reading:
9,11
